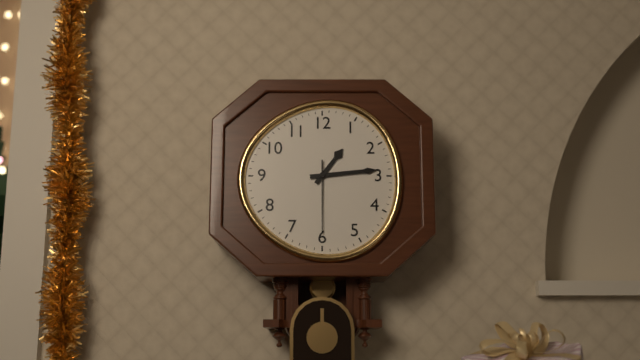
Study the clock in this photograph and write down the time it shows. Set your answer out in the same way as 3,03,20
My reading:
1,14,30
